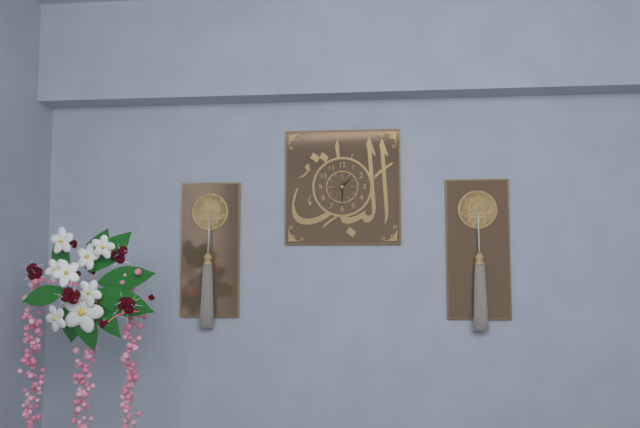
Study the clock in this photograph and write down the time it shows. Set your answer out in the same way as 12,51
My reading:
1,30
